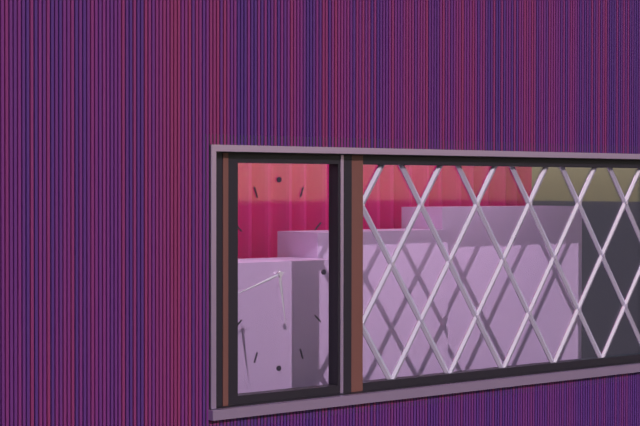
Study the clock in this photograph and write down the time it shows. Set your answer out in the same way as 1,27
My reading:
5,42
